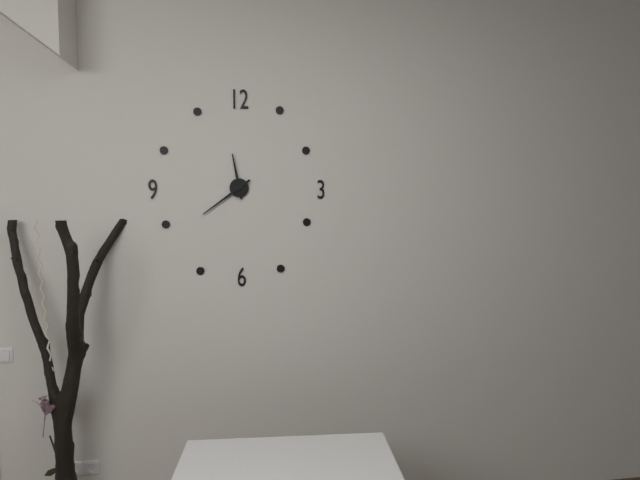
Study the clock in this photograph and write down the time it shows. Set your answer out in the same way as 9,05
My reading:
11,39
